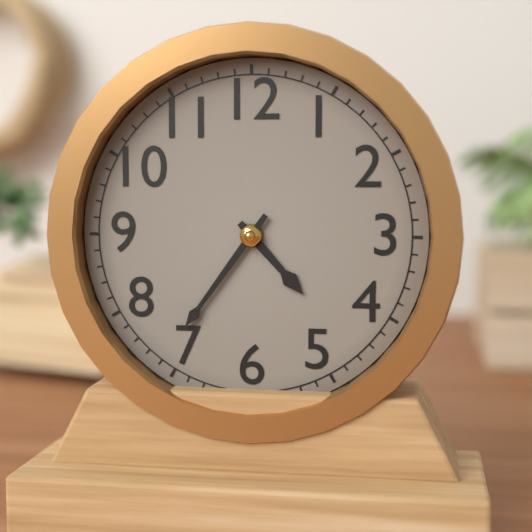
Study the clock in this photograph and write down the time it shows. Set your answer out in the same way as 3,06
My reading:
4,36
